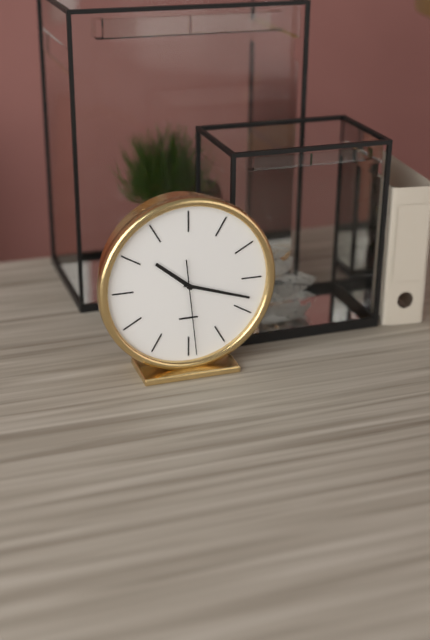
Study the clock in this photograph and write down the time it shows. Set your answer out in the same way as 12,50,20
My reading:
10,18,29
